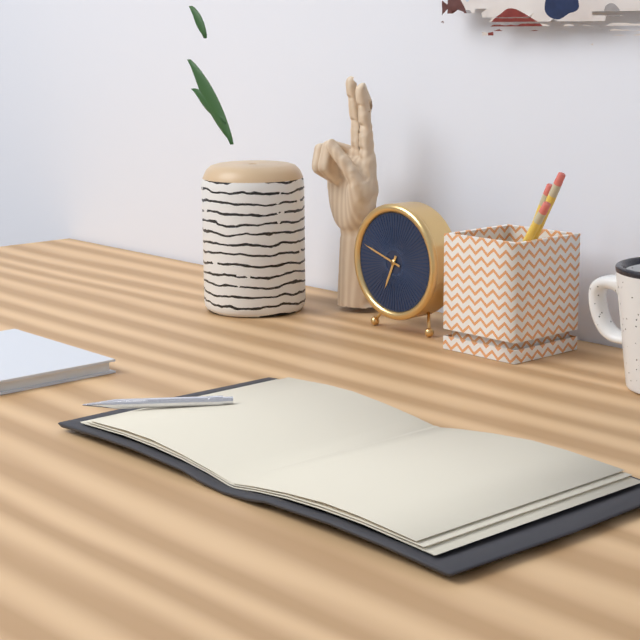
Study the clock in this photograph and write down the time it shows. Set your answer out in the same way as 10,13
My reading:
6,48
